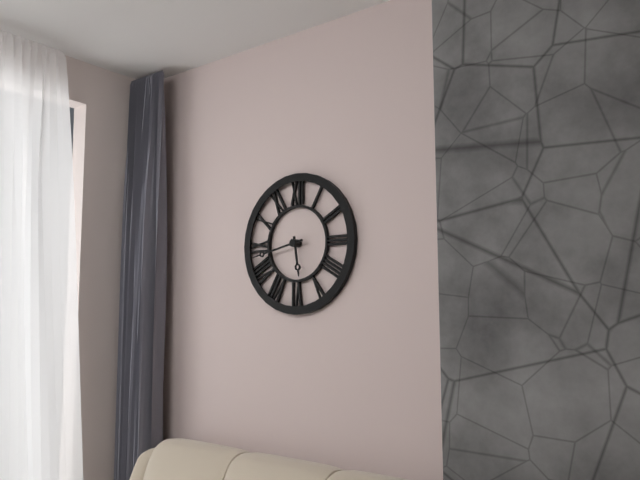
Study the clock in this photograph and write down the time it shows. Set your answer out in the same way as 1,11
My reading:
5,43
